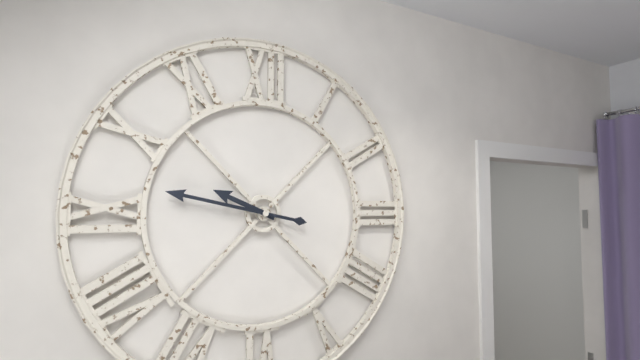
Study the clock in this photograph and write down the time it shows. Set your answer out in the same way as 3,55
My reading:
9,47
